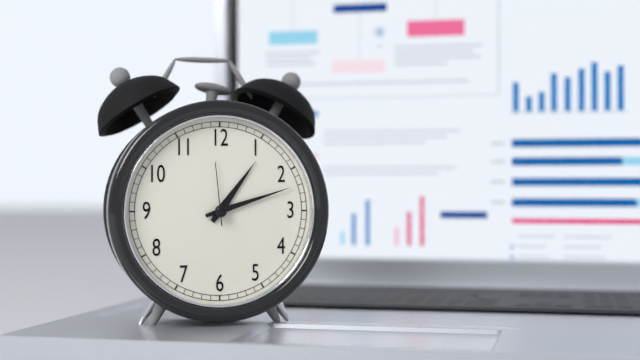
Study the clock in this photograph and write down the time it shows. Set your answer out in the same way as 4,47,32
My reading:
1,12,59
